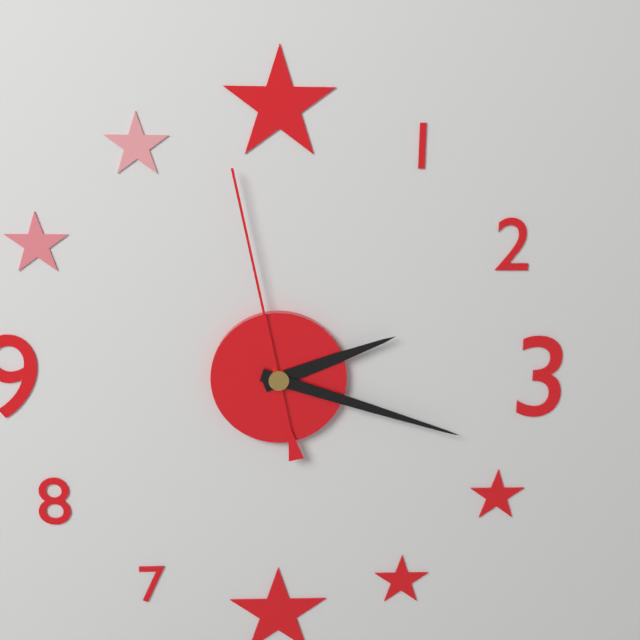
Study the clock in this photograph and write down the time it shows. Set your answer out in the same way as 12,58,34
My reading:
2,18,58
